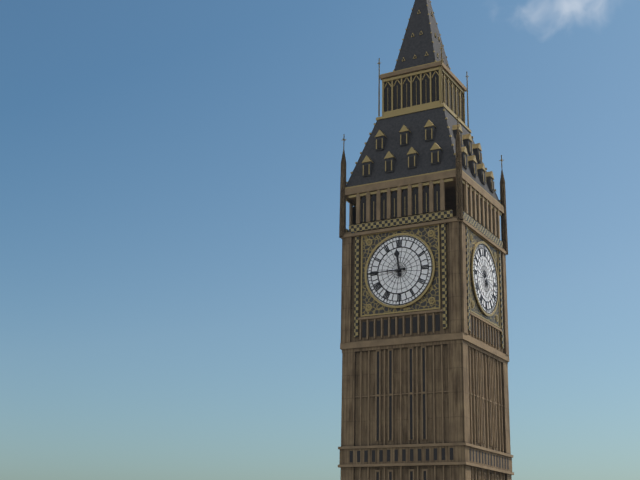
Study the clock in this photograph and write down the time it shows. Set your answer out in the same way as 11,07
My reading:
11,45
